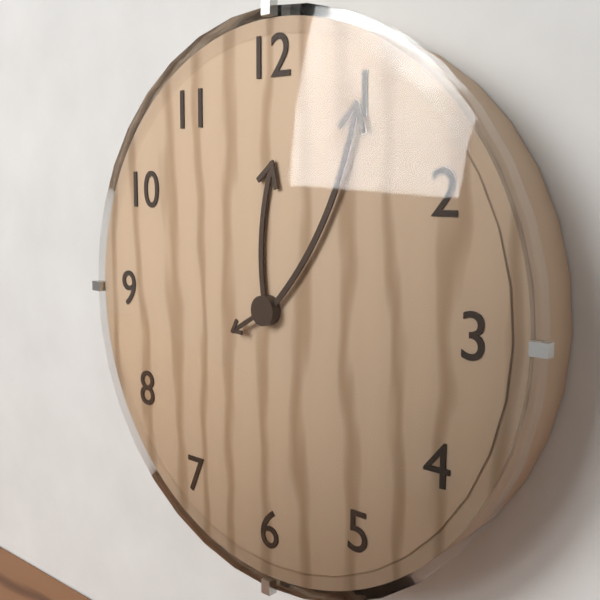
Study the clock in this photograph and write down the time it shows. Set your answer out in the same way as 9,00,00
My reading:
12,05,40
